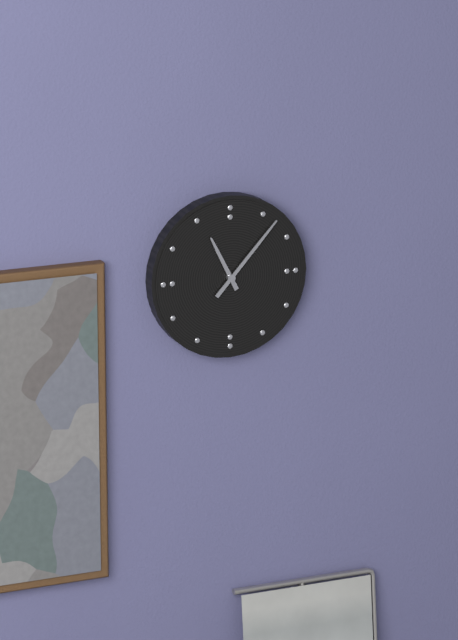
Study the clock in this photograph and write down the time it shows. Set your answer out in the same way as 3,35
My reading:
11,07
